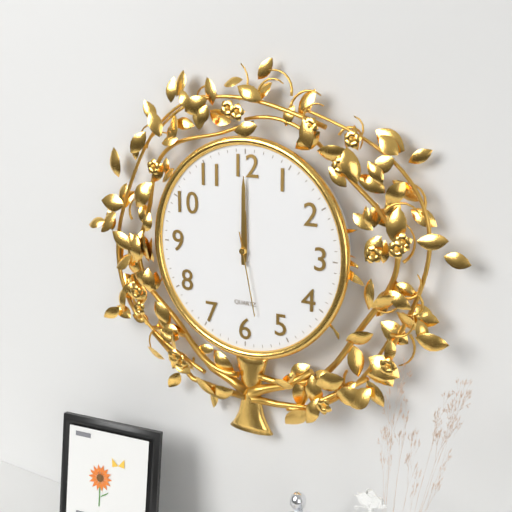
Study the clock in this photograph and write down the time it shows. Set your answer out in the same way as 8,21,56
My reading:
12,00,28
